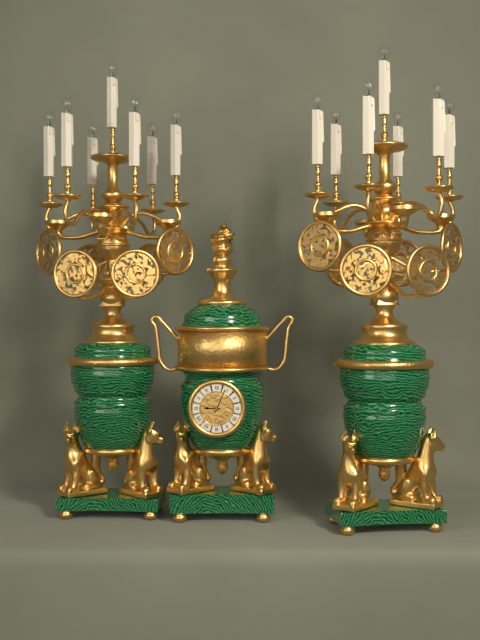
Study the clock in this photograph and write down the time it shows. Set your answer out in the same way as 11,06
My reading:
9,04
